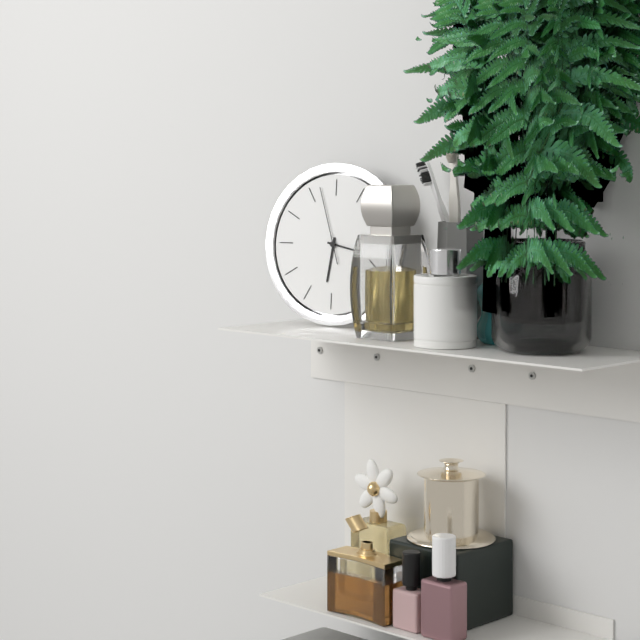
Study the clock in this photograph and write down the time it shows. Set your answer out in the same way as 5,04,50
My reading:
6,17,57
